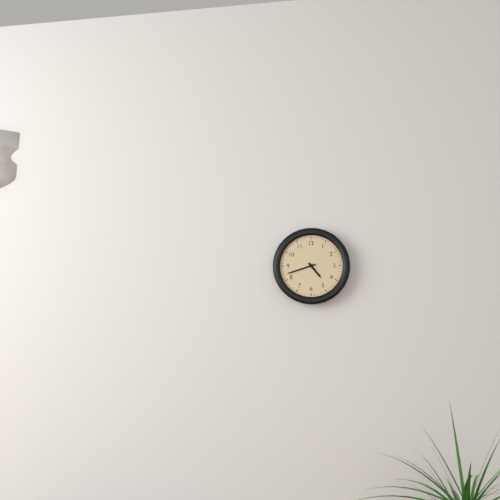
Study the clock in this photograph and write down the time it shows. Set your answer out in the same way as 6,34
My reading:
4,42
